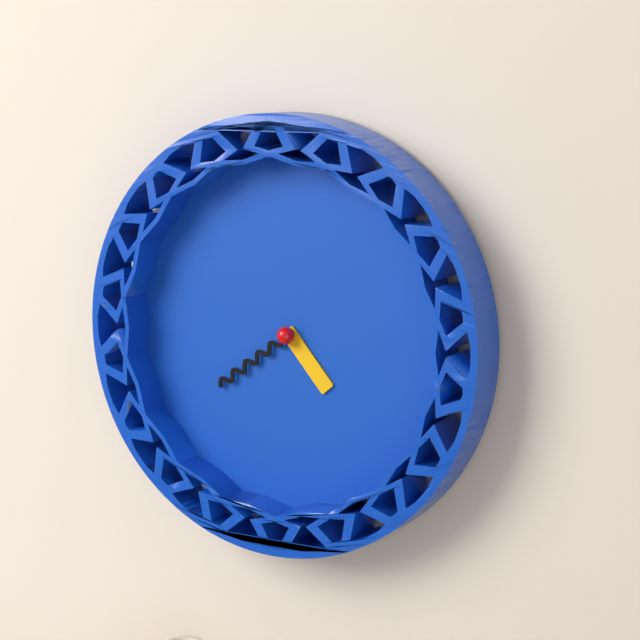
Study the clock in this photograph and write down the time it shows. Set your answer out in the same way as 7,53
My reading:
4,39
